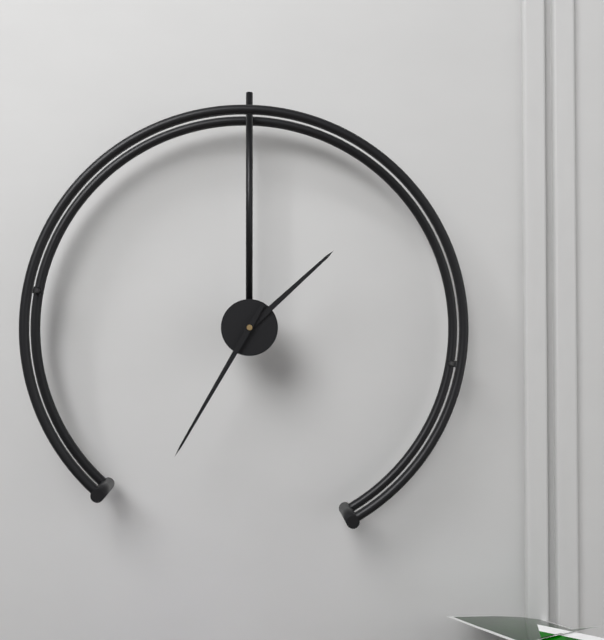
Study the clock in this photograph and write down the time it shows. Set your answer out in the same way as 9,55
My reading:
1,35
